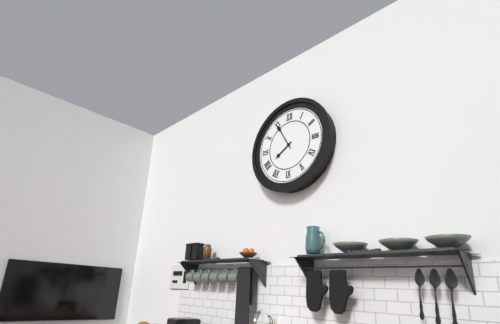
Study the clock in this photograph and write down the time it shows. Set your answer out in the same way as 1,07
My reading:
7,55
